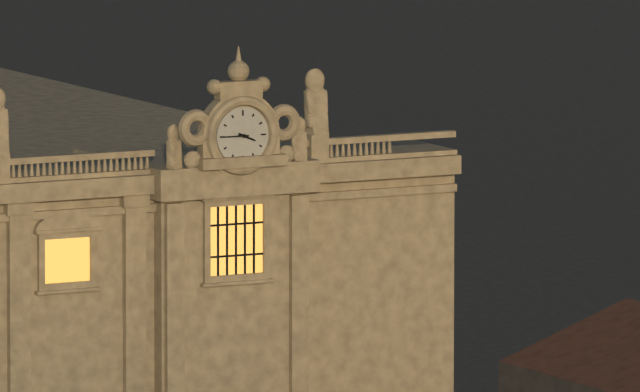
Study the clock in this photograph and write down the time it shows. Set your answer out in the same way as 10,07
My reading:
3,45
